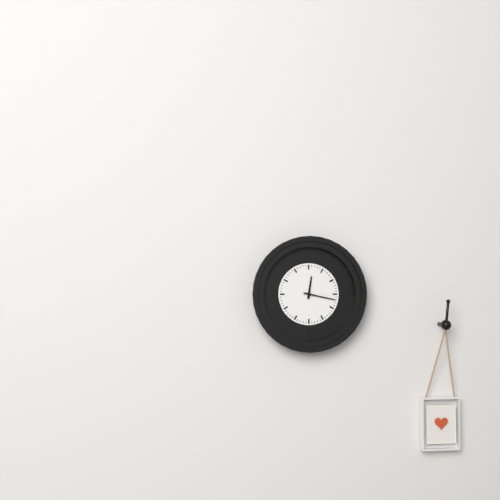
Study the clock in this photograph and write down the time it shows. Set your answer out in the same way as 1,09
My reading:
12,17
